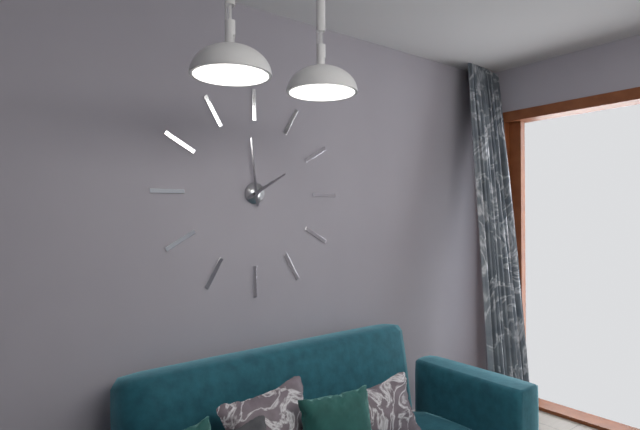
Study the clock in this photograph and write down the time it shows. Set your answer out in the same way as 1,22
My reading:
1,59
